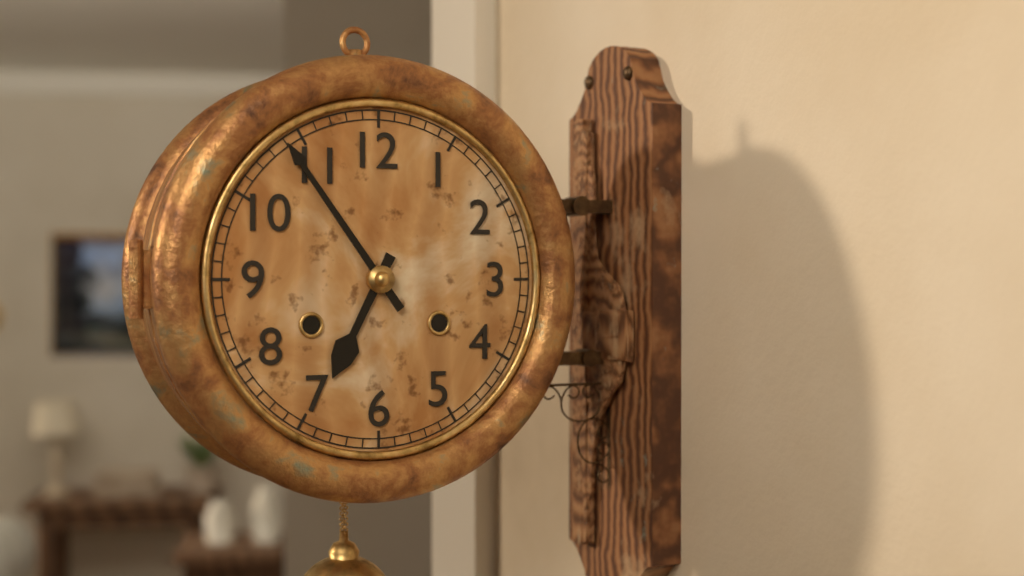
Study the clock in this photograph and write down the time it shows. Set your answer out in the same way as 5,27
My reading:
6,54
